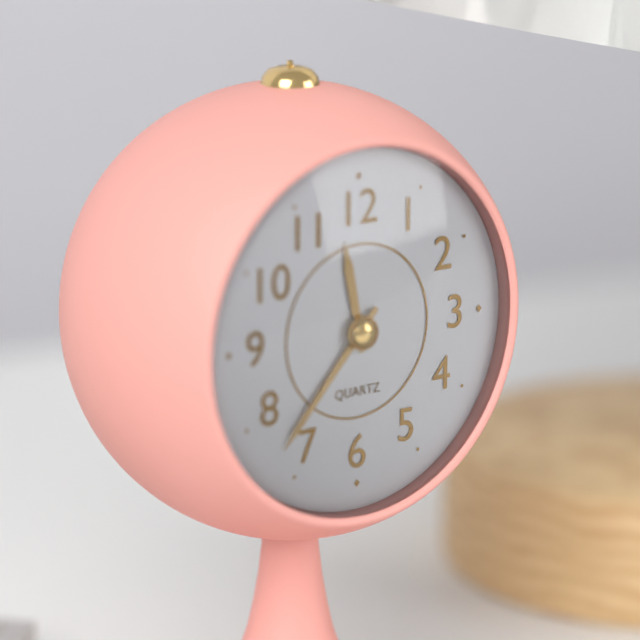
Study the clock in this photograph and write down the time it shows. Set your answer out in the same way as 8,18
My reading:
11,37
